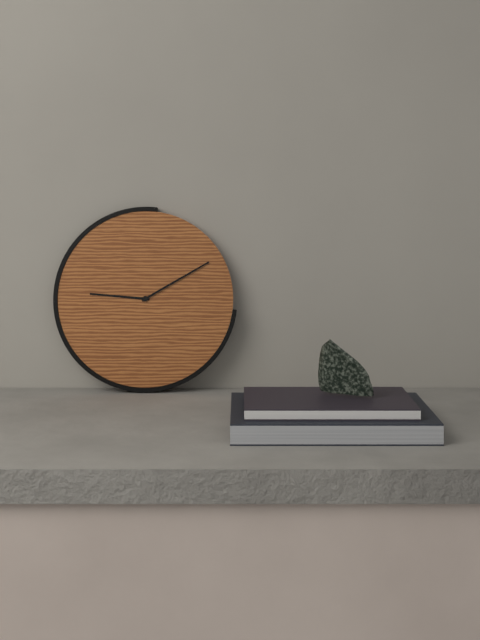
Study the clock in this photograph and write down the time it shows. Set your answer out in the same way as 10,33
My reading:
9,10
